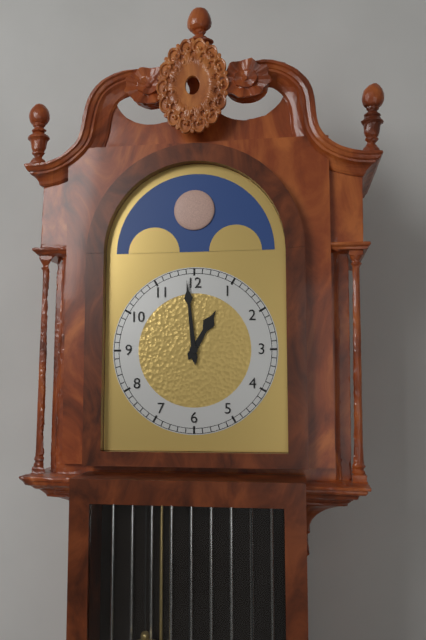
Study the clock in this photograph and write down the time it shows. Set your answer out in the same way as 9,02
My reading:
12,59
